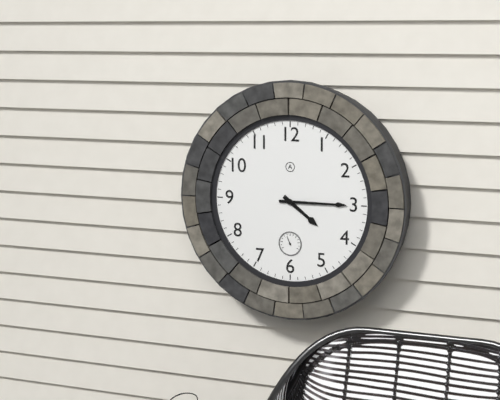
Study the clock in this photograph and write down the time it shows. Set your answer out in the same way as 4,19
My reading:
4,15
